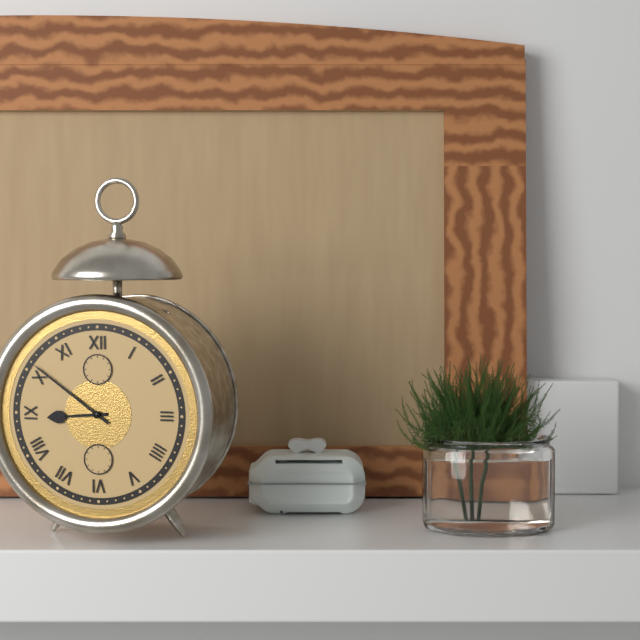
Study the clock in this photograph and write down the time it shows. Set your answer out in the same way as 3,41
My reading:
8,51
